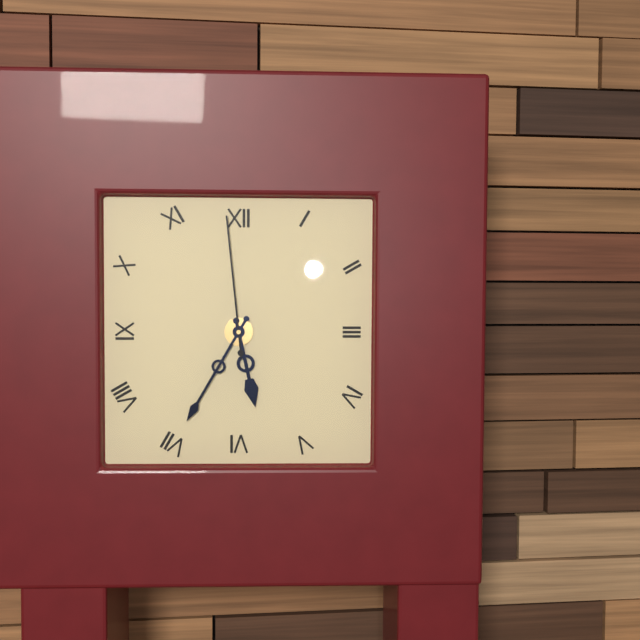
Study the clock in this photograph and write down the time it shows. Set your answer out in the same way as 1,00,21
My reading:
5,35,59
